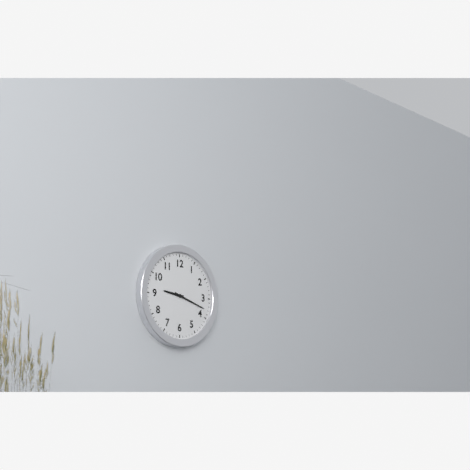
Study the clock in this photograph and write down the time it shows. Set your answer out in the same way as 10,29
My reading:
9,18
